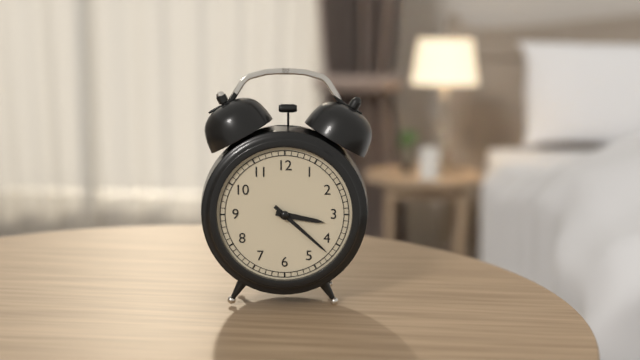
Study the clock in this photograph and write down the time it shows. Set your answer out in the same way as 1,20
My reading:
3,22
